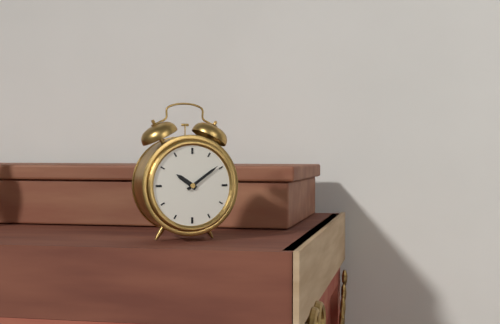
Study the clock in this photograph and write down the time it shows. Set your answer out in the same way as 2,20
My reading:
10,09
